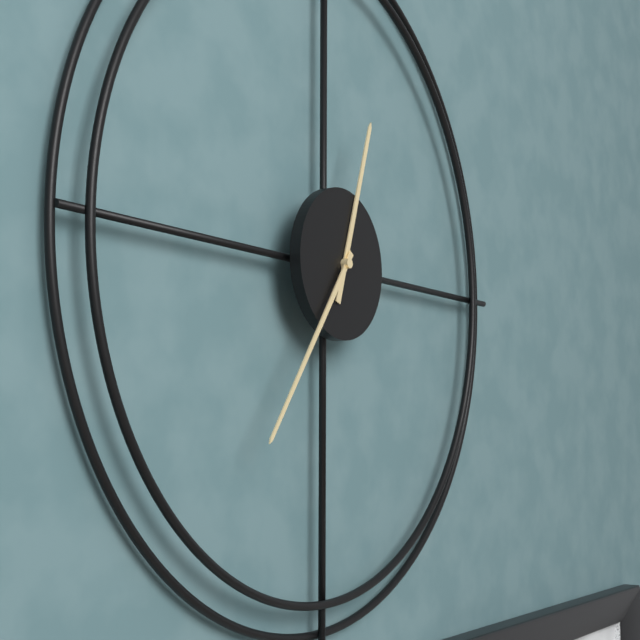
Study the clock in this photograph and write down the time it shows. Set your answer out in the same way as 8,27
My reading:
12,36
